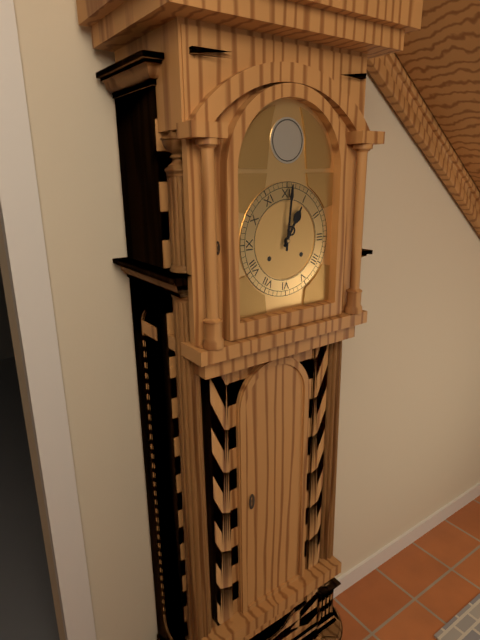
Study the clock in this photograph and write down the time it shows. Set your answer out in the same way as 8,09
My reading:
1,01
